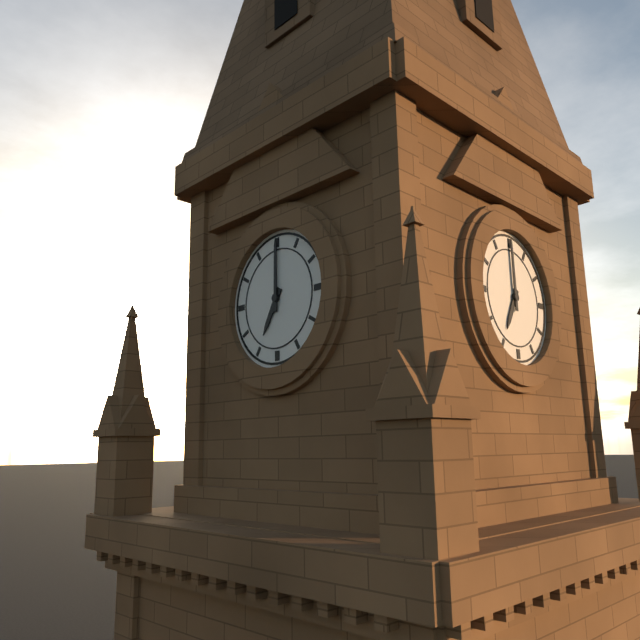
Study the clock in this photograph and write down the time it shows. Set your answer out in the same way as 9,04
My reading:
7,00
